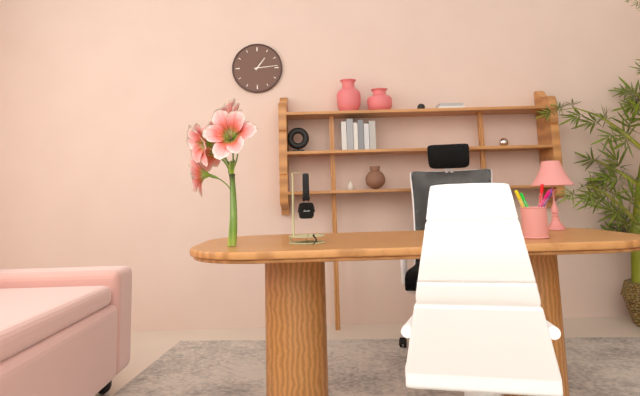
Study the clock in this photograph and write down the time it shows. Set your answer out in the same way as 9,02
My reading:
1,14
